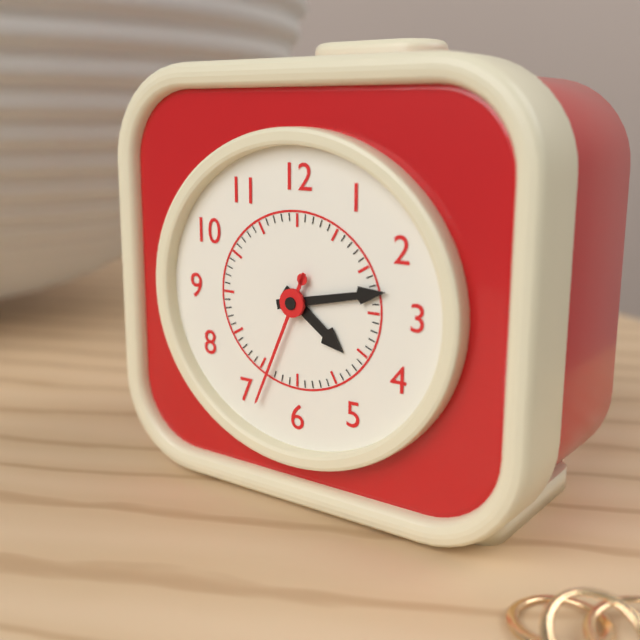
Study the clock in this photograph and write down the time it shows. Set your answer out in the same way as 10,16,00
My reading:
4,13,34
